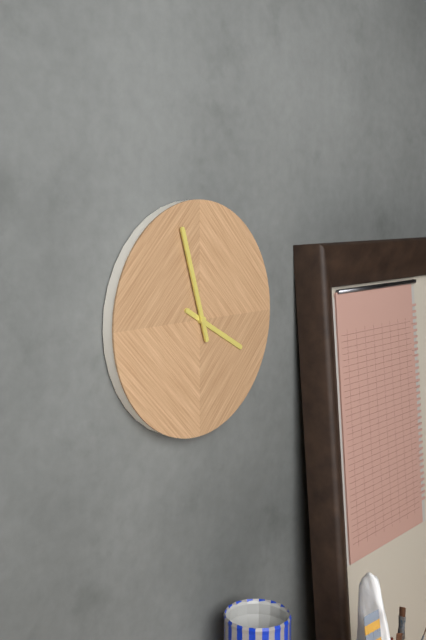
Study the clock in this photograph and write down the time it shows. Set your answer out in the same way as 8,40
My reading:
3,57
